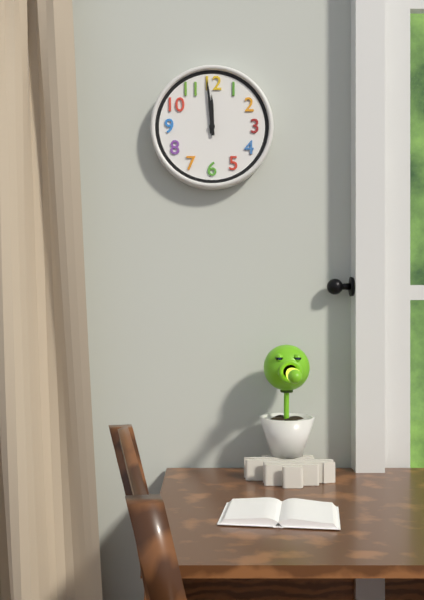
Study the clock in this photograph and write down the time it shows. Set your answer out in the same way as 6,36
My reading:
11,59
